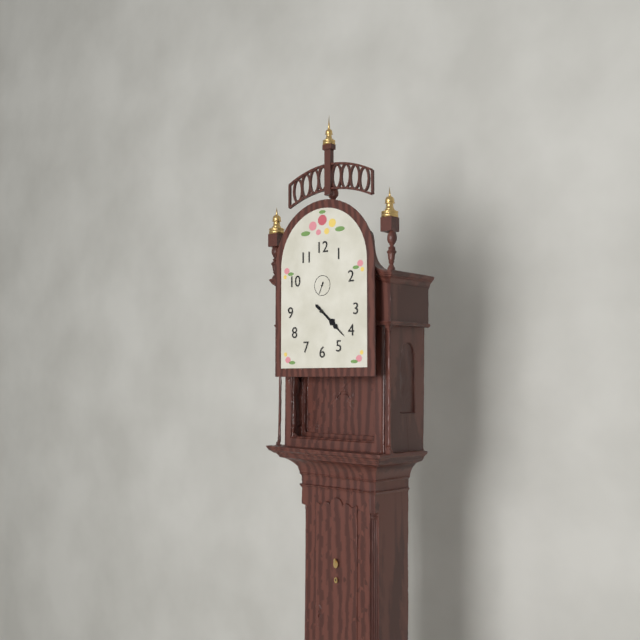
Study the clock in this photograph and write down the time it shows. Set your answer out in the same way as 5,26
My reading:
4,22
